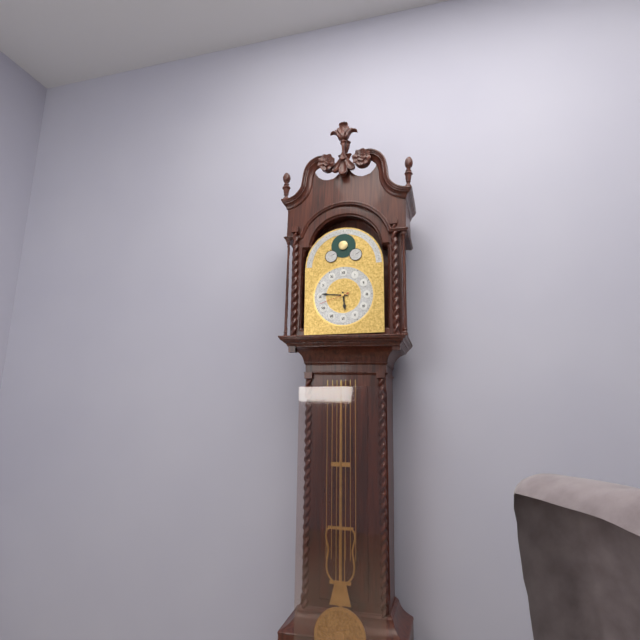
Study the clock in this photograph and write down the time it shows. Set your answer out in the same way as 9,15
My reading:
5,46
